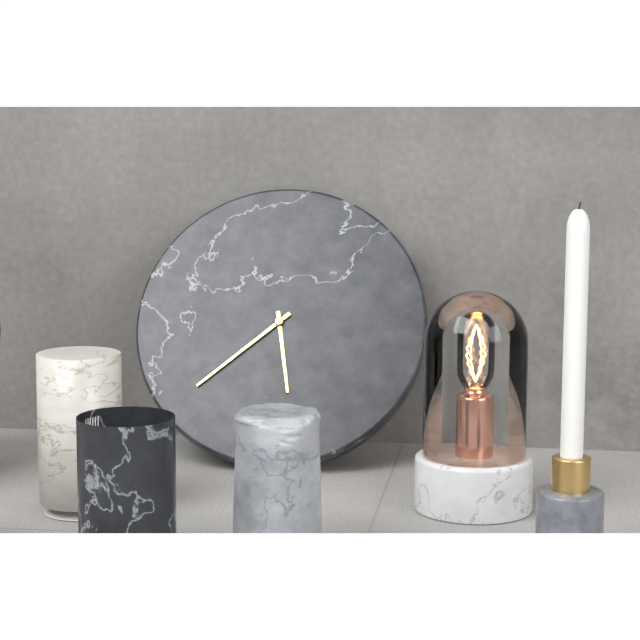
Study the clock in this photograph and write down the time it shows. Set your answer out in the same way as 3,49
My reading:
5,38
